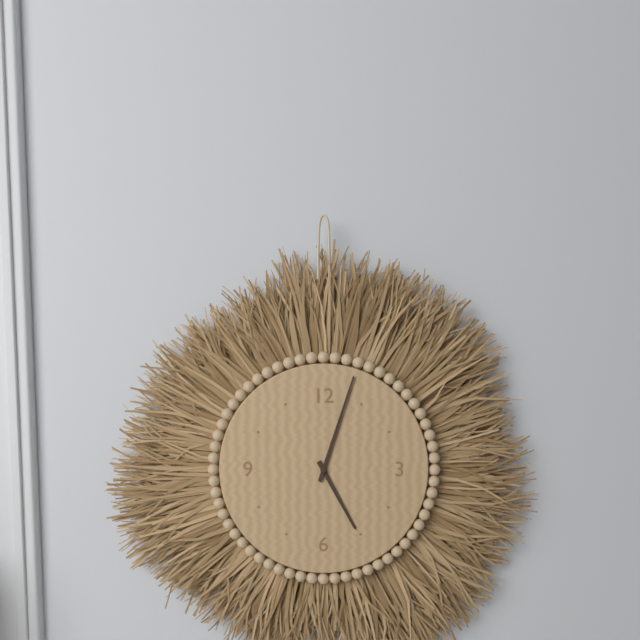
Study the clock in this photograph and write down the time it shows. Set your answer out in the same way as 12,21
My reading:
5,03
